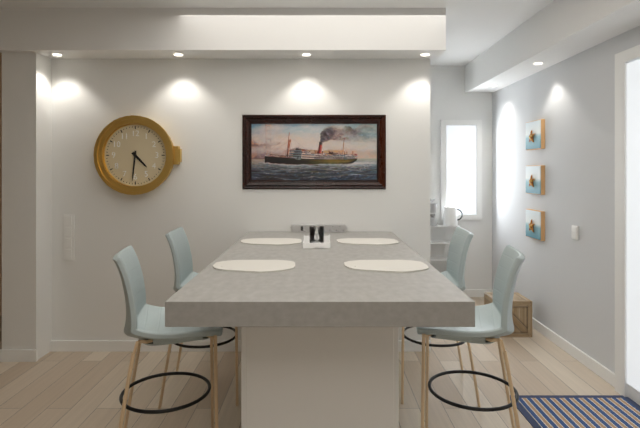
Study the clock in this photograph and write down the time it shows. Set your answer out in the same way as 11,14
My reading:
4,31
